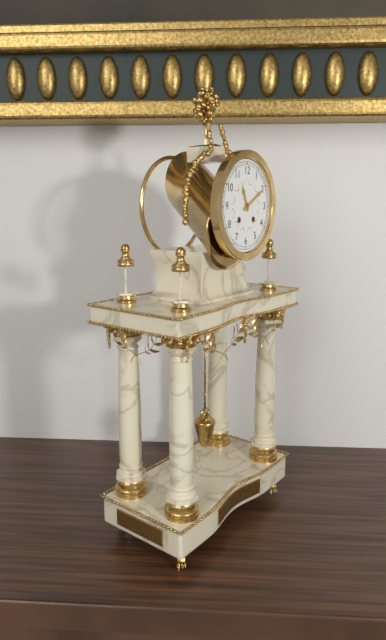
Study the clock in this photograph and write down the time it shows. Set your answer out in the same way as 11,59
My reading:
11,10
